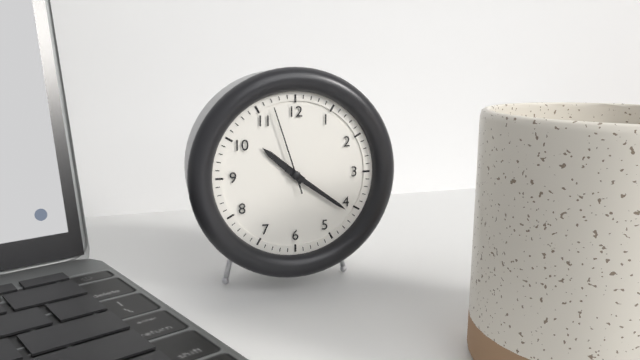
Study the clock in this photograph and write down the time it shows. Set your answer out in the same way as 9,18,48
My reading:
10,21,57
